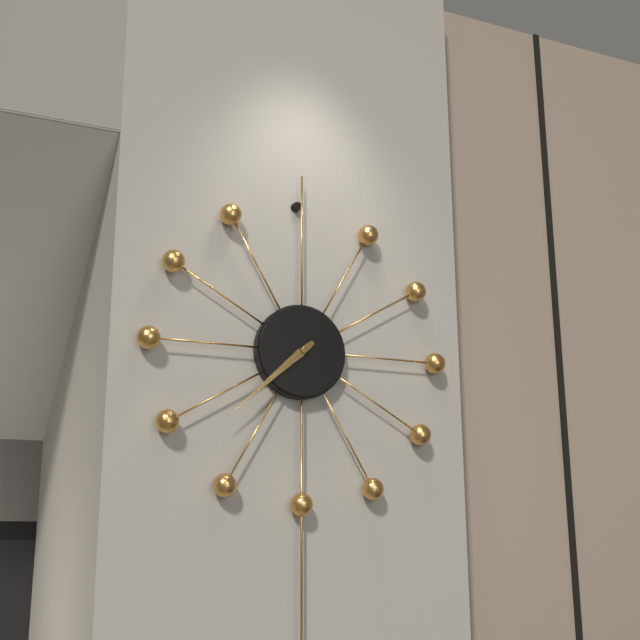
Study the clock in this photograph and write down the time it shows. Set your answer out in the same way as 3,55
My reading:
7,38
